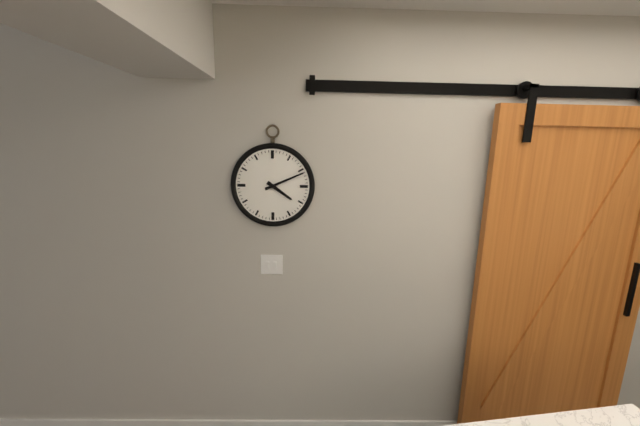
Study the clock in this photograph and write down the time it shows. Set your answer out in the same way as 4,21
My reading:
4,11
